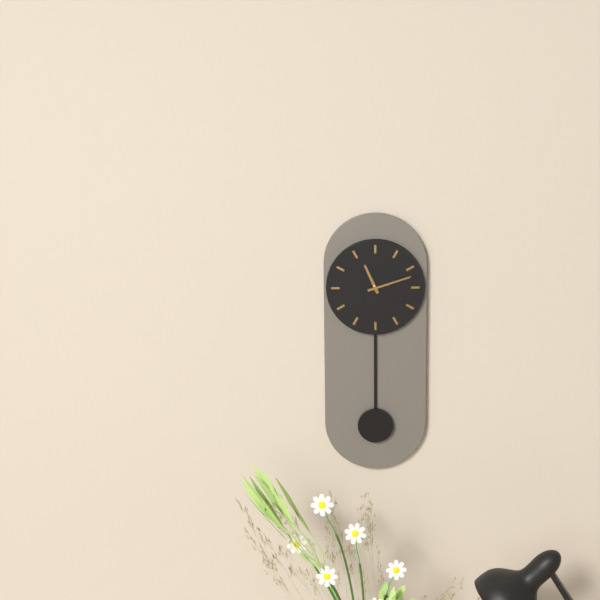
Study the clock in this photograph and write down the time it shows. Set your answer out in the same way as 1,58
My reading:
11,12
